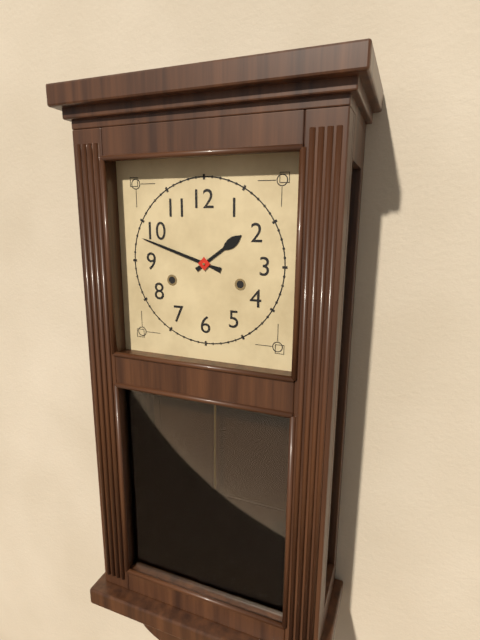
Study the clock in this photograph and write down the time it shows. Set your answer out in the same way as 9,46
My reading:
1,48
